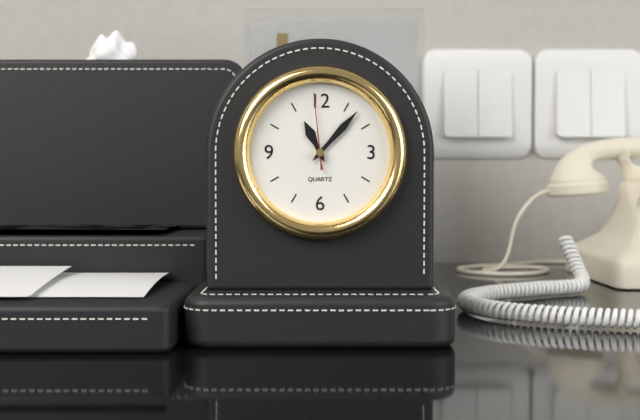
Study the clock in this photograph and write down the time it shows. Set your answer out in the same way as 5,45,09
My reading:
11,07,59
